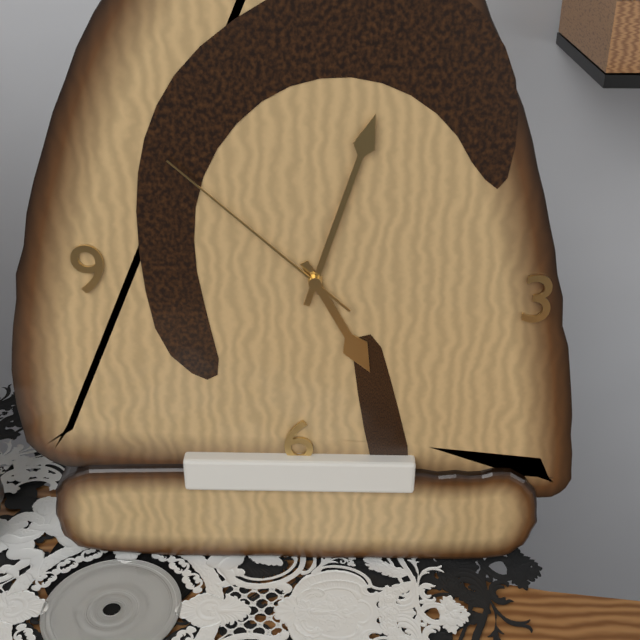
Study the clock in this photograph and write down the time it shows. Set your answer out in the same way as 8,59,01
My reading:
5,03,52
